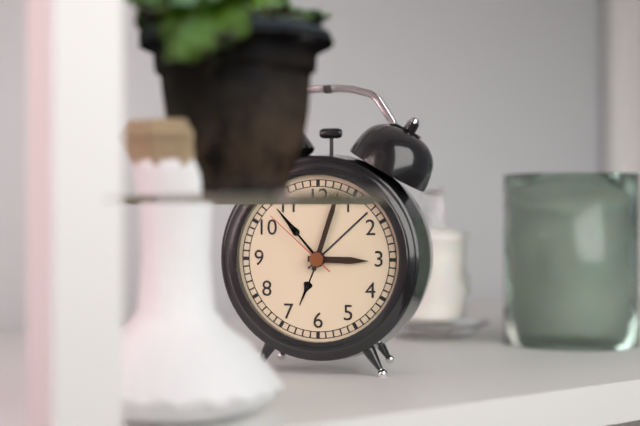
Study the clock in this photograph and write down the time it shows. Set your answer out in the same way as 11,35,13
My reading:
3,03,52
